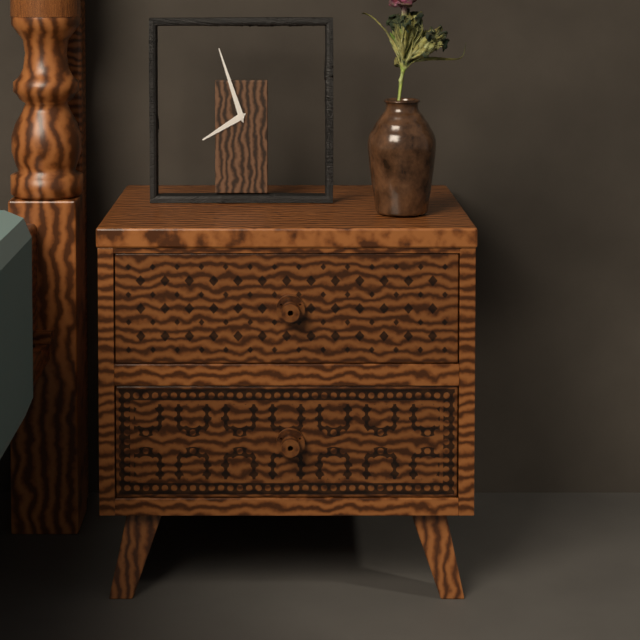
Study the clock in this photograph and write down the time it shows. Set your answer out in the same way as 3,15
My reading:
7,57
